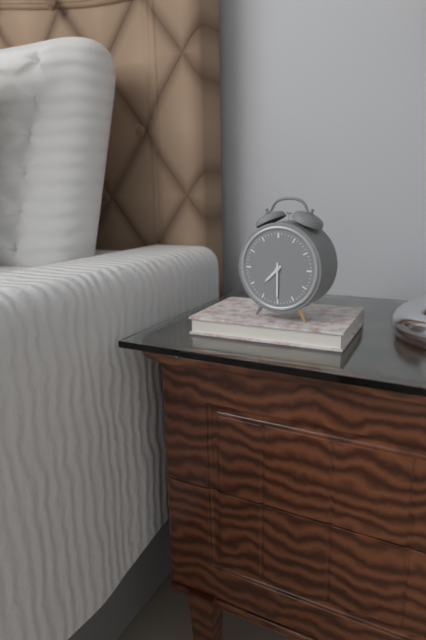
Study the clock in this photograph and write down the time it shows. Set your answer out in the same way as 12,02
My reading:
7,30
